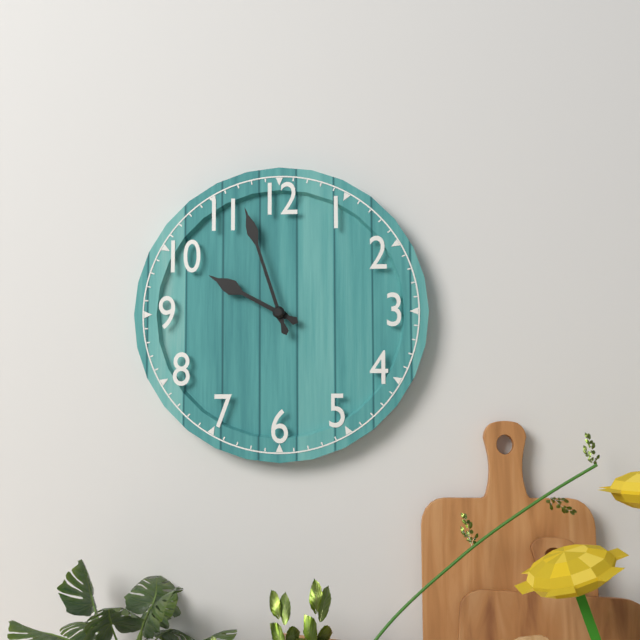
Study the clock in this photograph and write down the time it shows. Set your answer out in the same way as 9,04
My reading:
9,57
